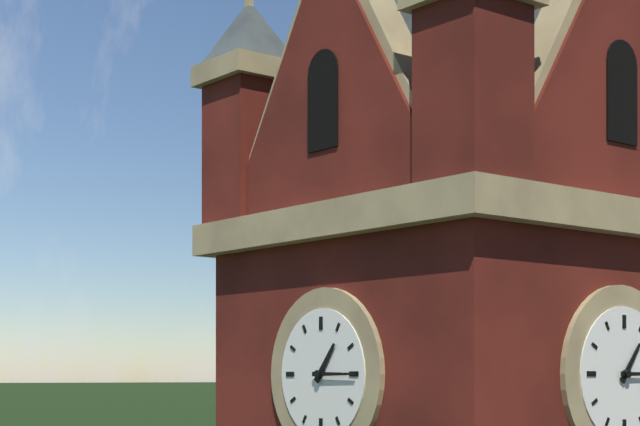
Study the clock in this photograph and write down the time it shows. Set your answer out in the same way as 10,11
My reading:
1,15
